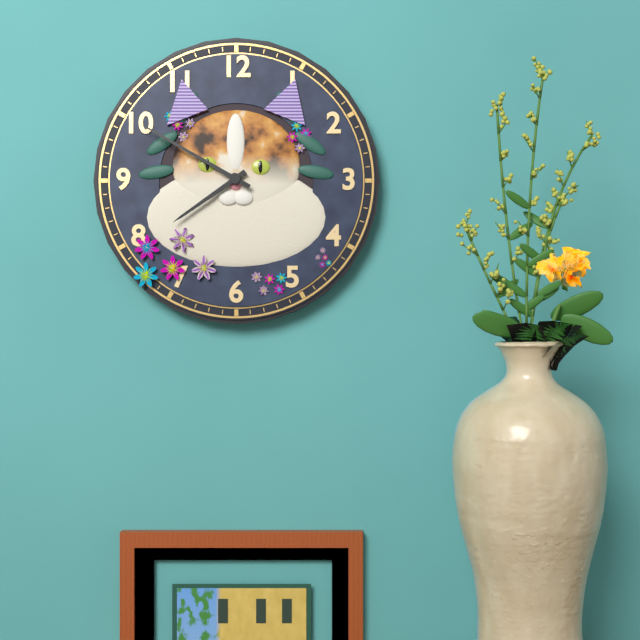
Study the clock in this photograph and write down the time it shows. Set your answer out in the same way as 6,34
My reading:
7,50
